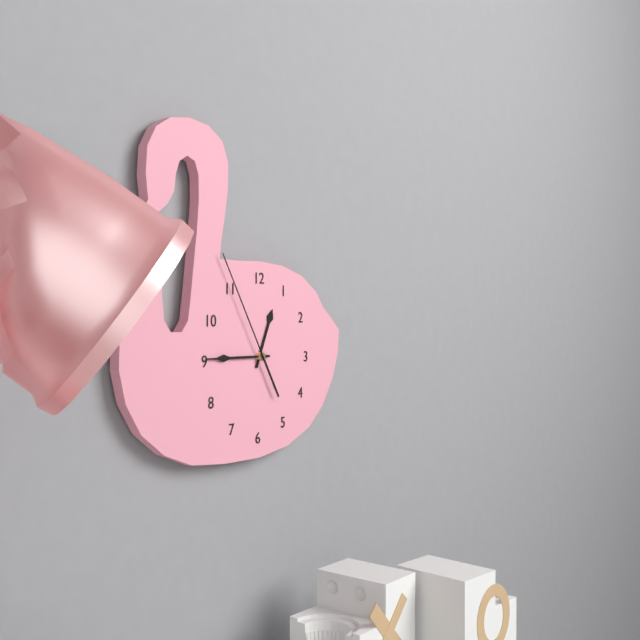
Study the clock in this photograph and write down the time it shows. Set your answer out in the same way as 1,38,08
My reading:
12,45,55
